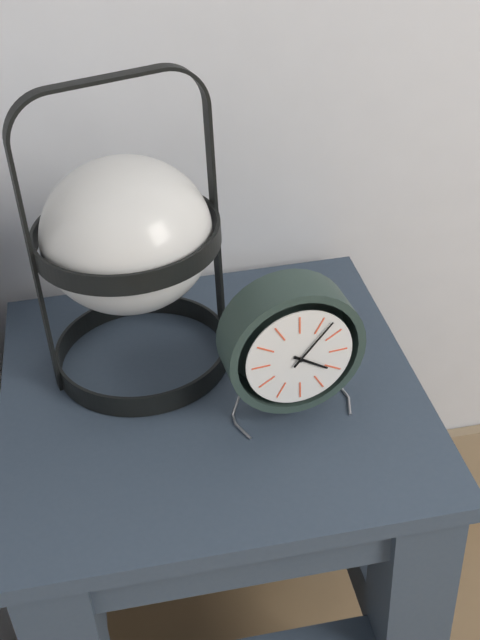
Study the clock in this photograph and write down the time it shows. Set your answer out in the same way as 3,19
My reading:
4,07
